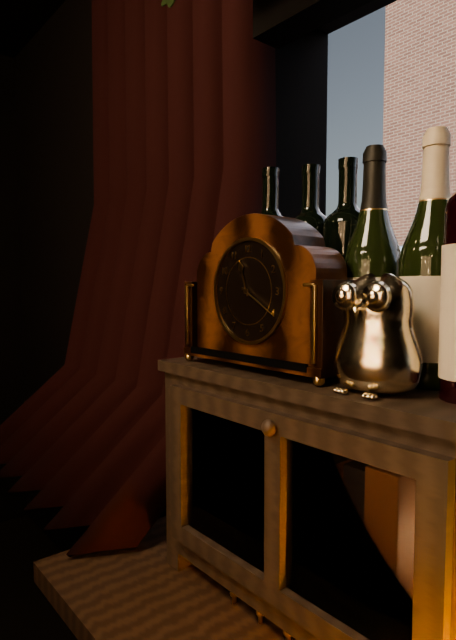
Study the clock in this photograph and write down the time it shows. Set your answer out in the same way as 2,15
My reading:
11,20
